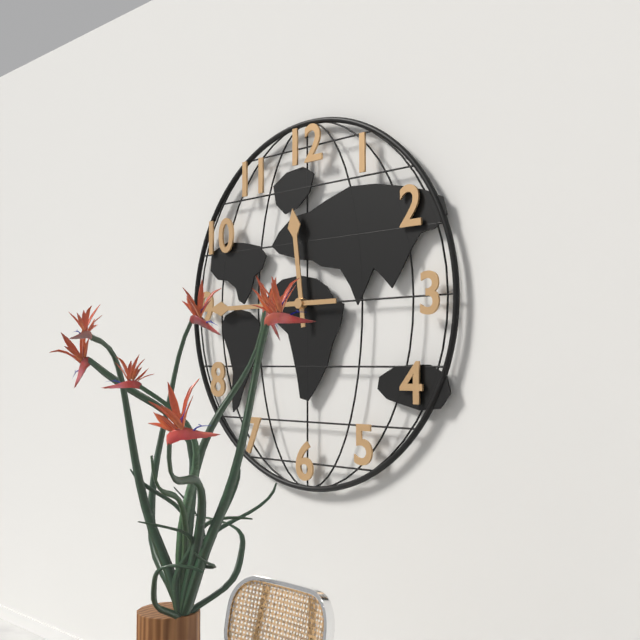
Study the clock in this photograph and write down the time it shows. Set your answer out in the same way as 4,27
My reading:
11,45
